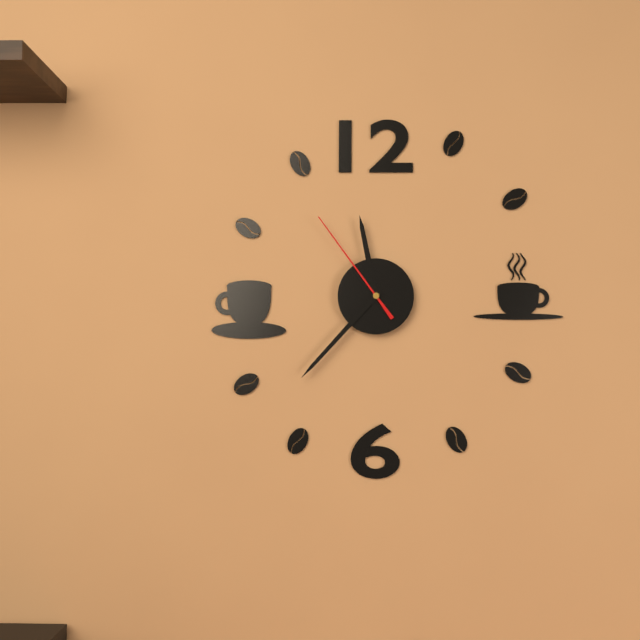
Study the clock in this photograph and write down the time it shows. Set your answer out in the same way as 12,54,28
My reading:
11,37,54
